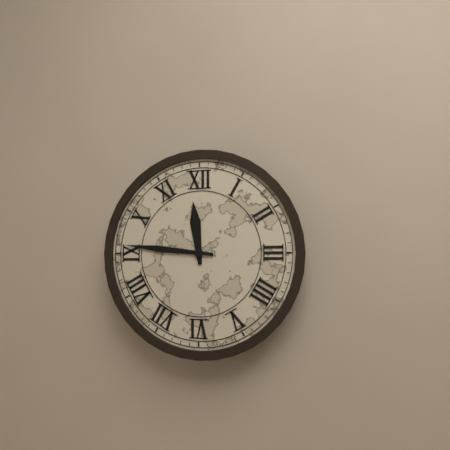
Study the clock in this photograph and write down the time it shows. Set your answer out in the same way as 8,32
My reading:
11,46
